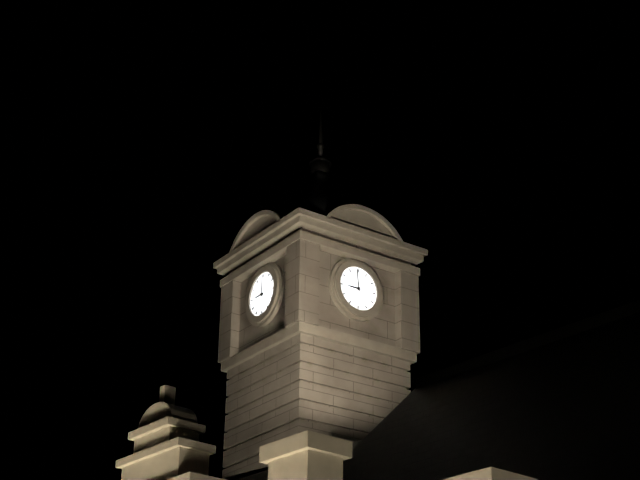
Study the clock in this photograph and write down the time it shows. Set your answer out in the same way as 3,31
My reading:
8,59
